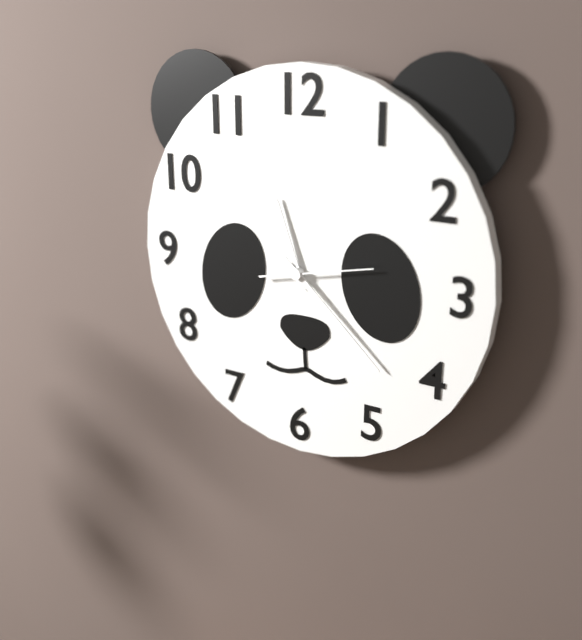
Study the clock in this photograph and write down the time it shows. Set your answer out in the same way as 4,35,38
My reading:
11,22,13
